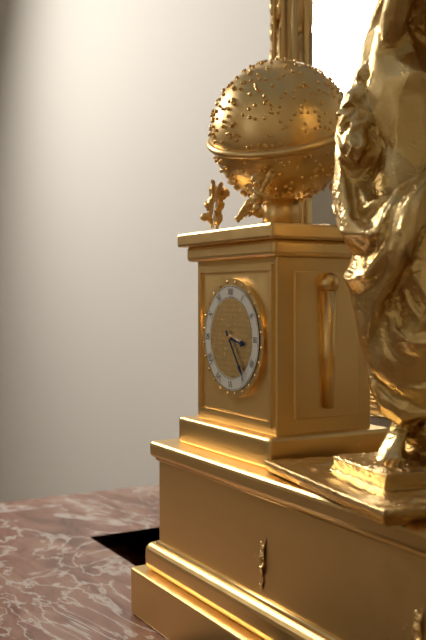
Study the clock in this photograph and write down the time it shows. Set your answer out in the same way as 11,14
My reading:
3,24
